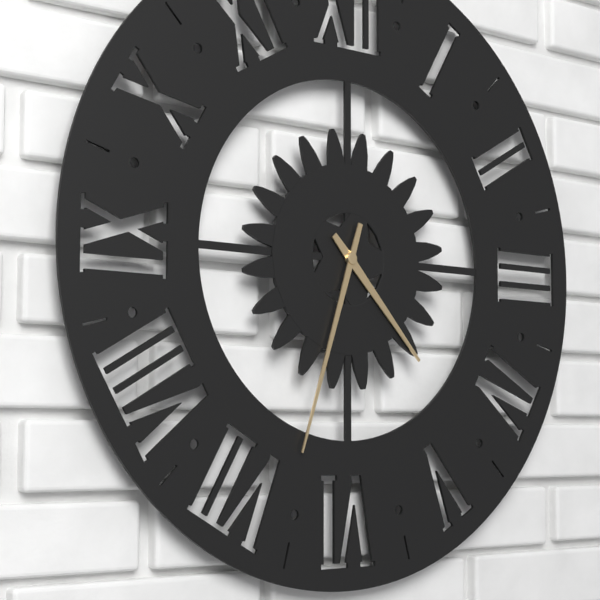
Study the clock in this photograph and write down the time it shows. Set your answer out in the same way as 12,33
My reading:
4,33
